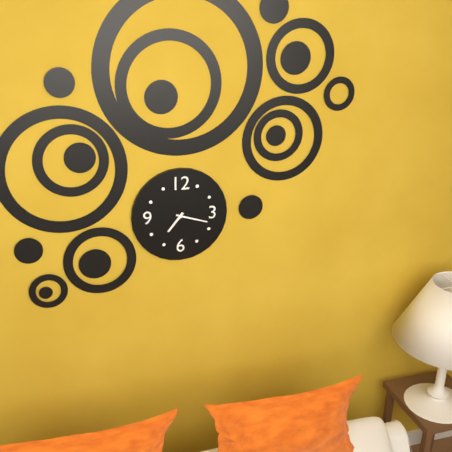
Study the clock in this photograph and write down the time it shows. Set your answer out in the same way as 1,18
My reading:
7,18
